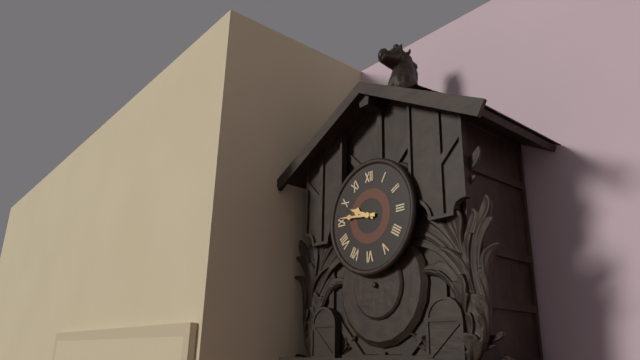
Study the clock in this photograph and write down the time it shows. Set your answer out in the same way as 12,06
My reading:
9,46
